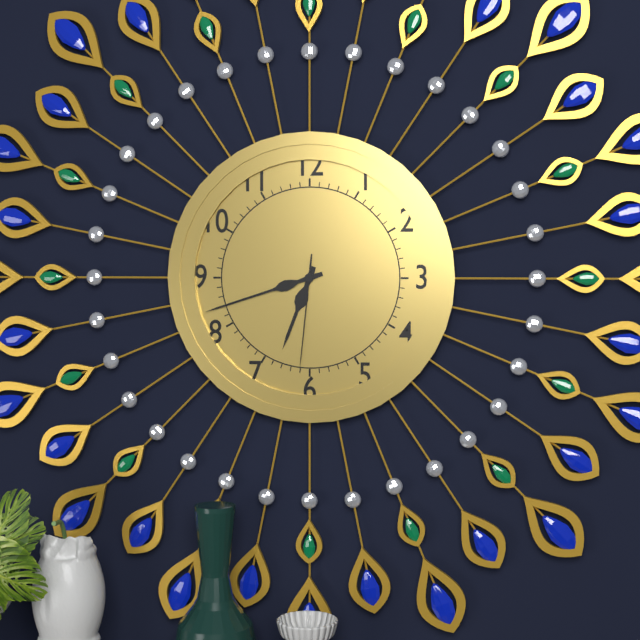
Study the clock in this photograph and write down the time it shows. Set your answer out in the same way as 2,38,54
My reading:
6,42,31
